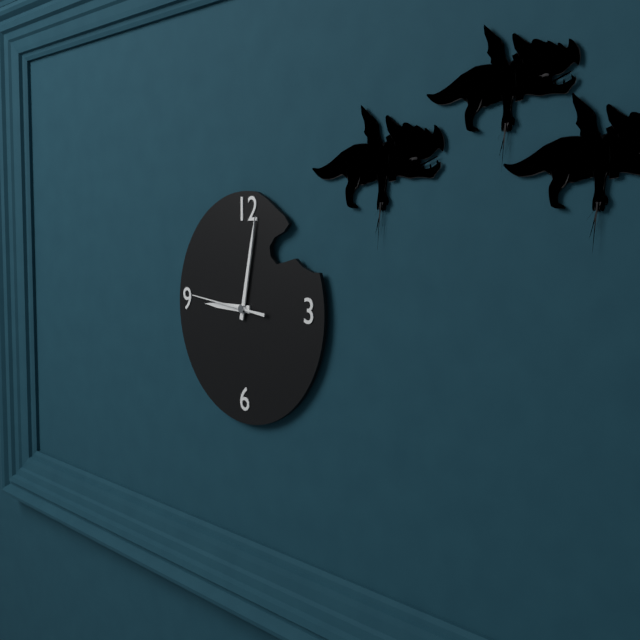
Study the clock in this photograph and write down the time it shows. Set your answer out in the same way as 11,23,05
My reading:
9,02,46
